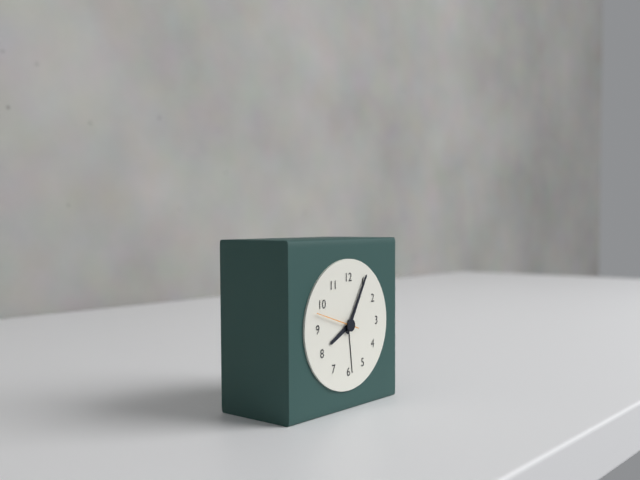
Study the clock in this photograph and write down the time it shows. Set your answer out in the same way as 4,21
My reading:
8,05
